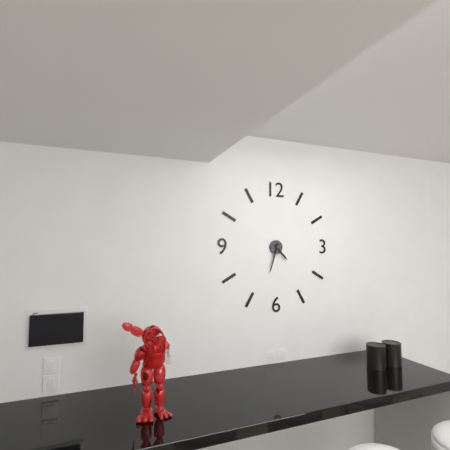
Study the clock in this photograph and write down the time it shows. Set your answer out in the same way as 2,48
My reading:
4,33
